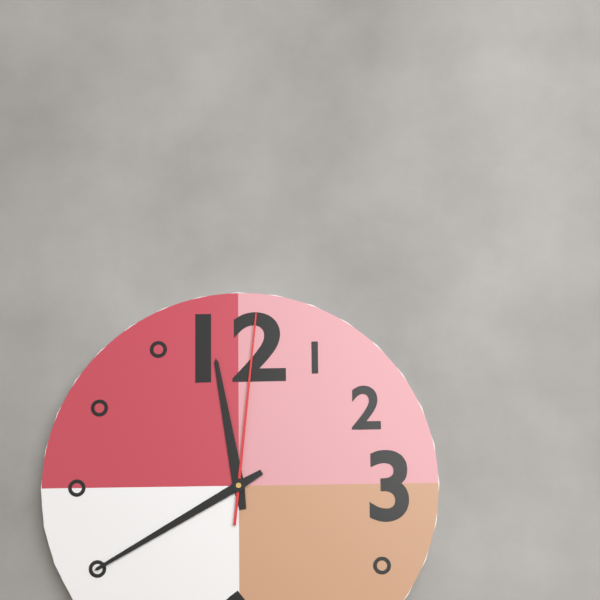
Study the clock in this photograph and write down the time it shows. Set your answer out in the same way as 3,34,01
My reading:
11,40,01
